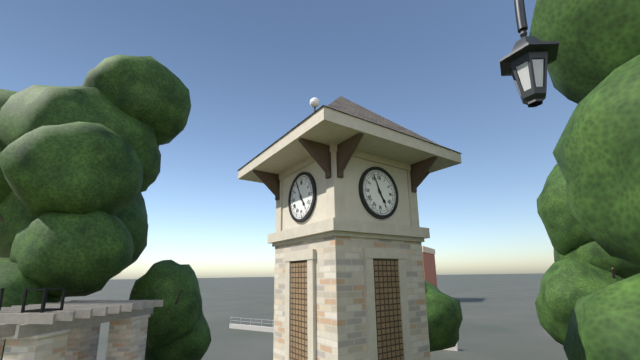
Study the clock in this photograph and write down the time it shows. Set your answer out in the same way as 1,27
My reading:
4,56
